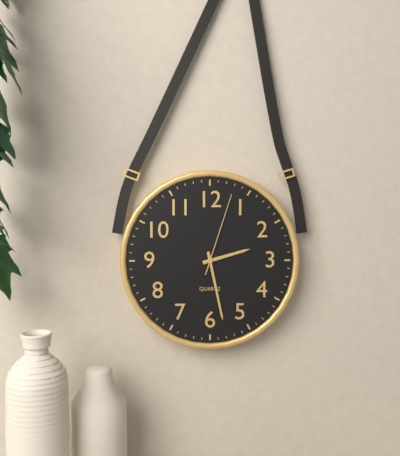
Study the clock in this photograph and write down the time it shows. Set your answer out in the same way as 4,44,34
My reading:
2,28,03
